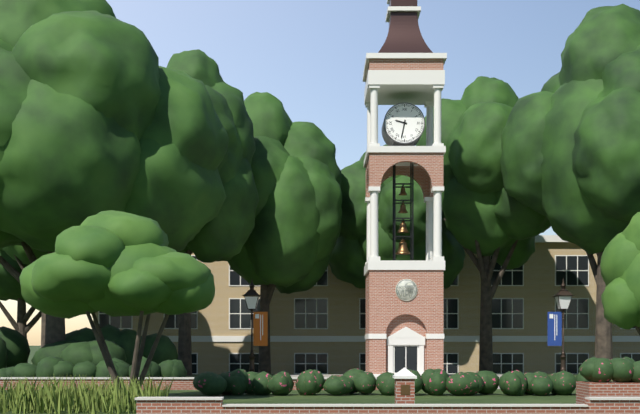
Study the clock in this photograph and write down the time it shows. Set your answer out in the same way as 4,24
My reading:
9,32
